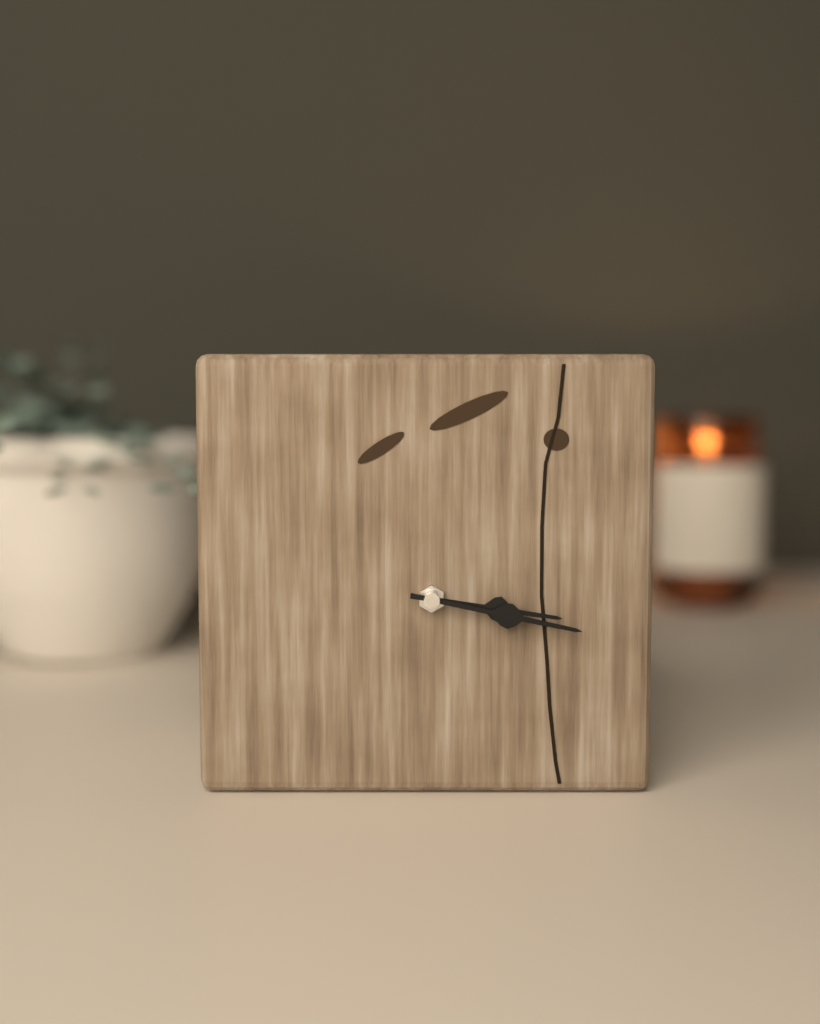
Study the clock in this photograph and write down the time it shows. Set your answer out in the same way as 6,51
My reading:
3,17
